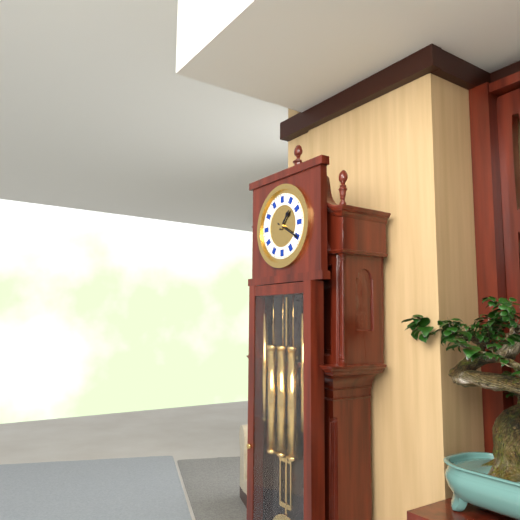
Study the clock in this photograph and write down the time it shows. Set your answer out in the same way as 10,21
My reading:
1,20
